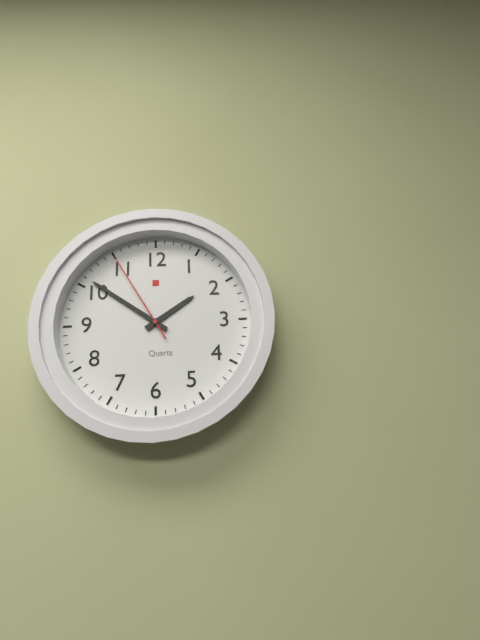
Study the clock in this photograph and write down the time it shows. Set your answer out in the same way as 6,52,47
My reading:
1,51,55
